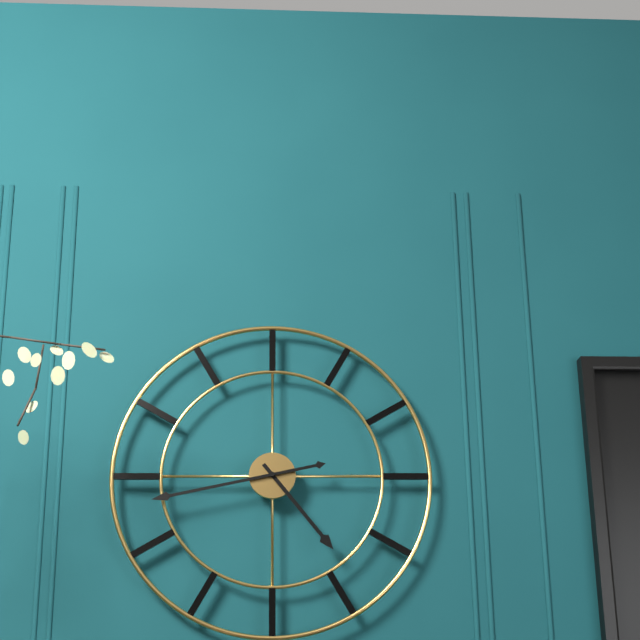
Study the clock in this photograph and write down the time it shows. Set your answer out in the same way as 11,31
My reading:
4,43
